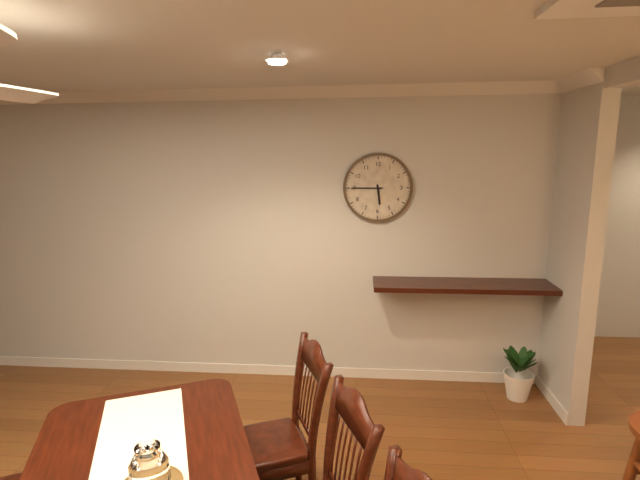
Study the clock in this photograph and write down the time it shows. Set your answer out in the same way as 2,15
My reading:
5,45
